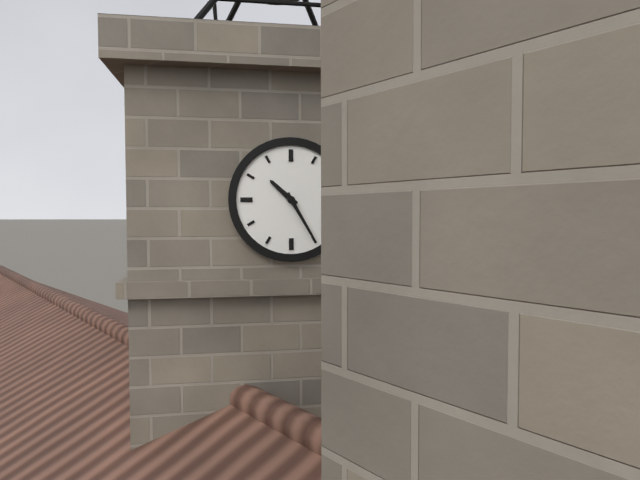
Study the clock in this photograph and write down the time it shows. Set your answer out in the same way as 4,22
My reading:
10,25
